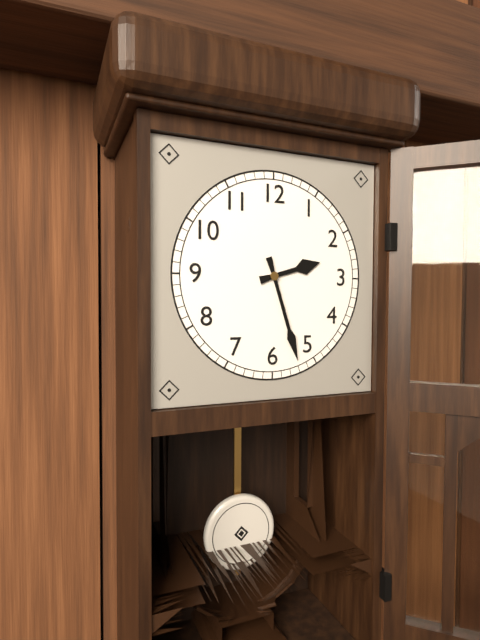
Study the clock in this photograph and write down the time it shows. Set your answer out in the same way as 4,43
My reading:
2,27
